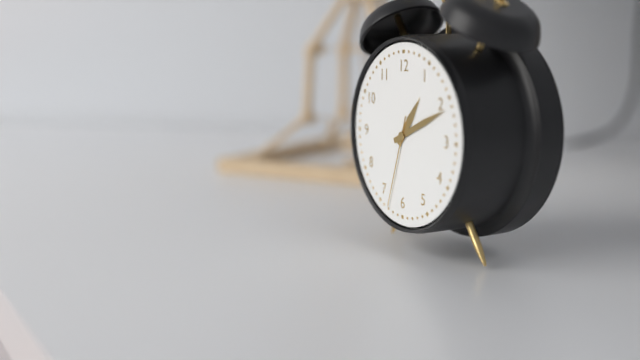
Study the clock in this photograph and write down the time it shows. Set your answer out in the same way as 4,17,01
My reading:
1,11,33
